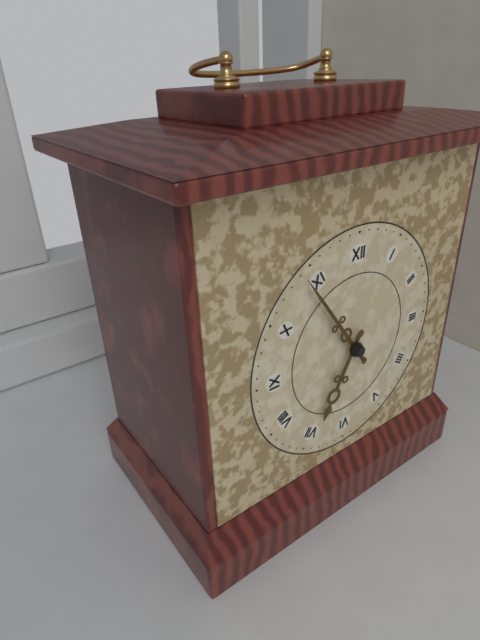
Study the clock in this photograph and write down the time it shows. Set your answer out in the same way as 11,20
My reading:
6,54
